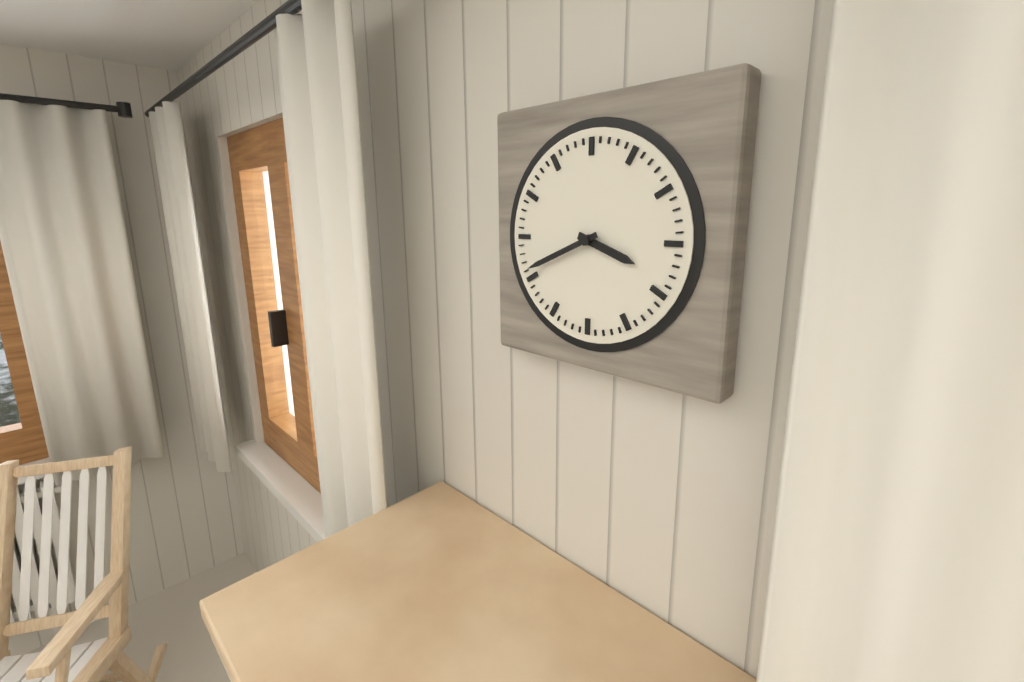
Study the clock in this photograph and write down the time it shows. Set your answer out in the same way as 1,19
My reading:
3,41
